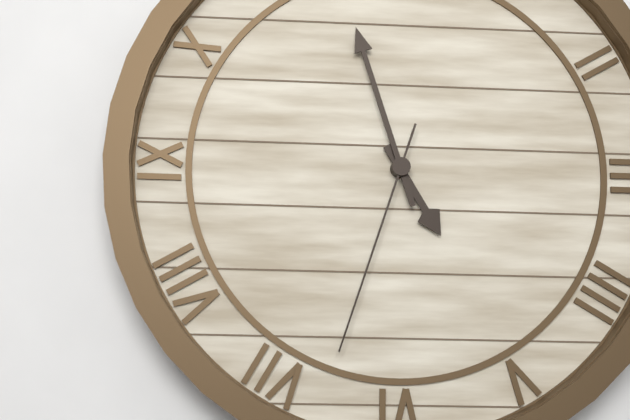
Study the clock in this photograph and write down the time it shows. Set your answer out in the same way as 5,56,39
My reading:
4,57,33
